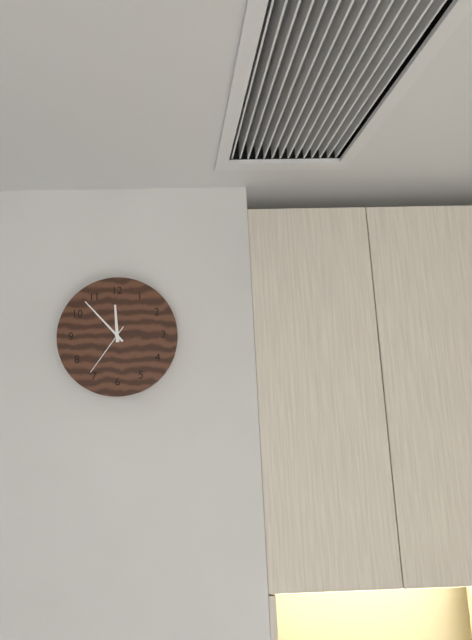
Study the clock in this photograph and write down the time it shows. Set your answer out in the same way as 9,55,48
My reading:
11,53,36
